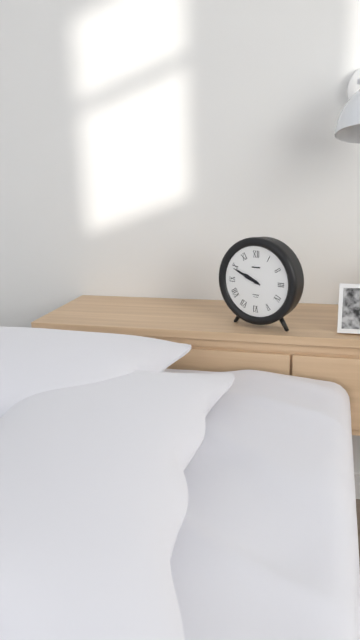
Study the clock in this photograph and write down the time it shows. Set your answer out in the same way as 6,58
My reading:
9,49
